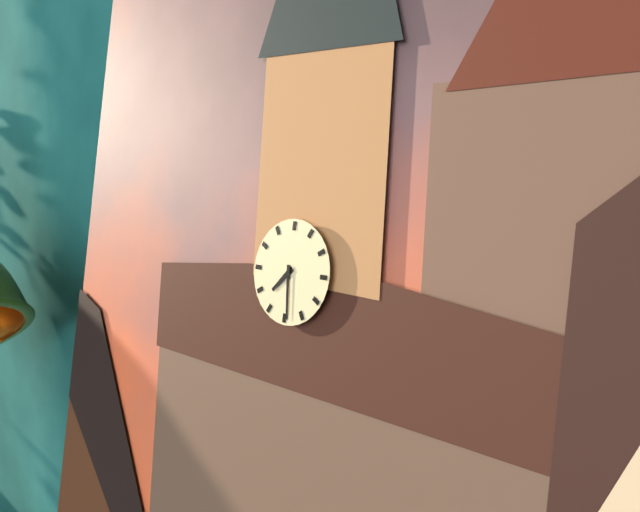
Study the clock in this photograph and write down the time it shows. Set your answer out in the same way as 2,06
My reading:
7,29
